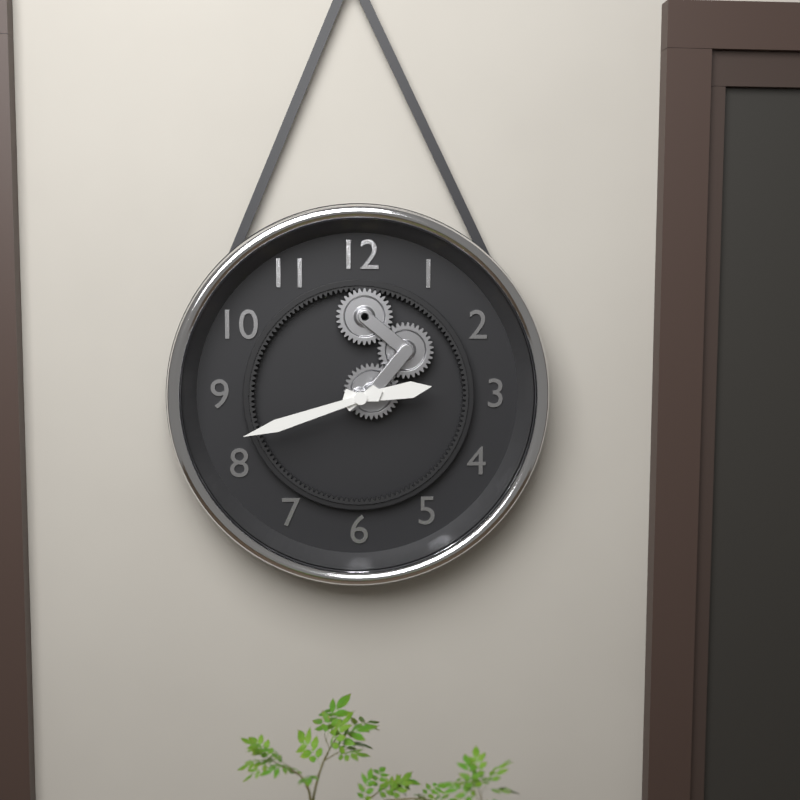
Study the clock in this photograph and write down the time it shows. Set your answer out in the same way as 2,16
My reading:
2,42
